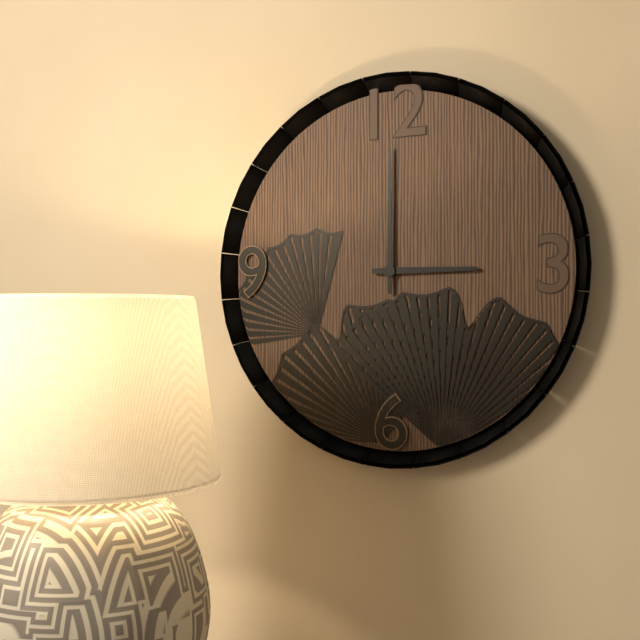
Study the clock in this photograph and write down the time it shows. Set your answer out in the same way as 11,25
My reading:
3,00
